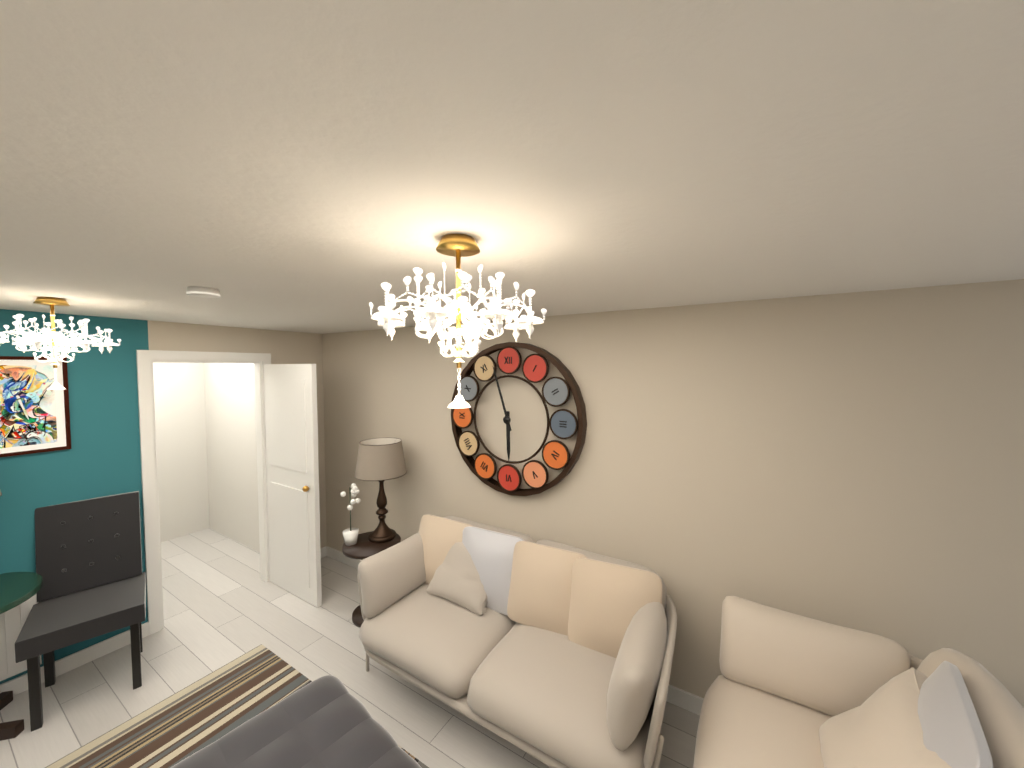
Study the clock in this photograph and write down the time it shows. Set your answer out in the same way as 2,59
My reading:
5,57
